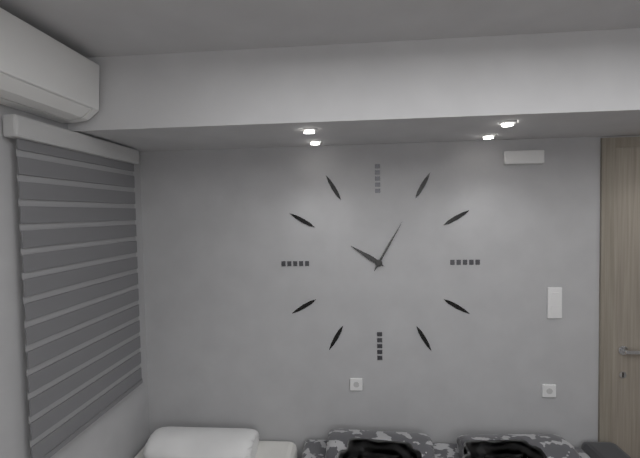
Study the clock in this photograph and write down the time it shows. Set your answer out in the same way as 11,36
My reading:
10,05
